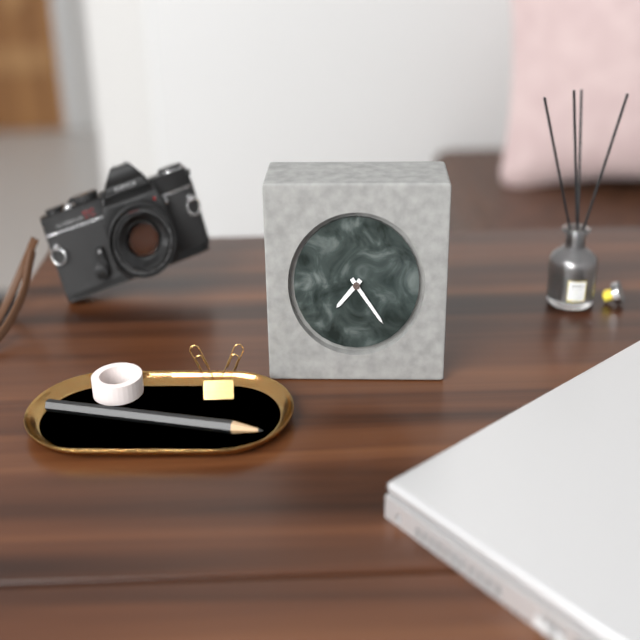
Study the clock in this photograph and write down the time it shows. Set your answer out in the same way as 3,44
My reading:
7,24
